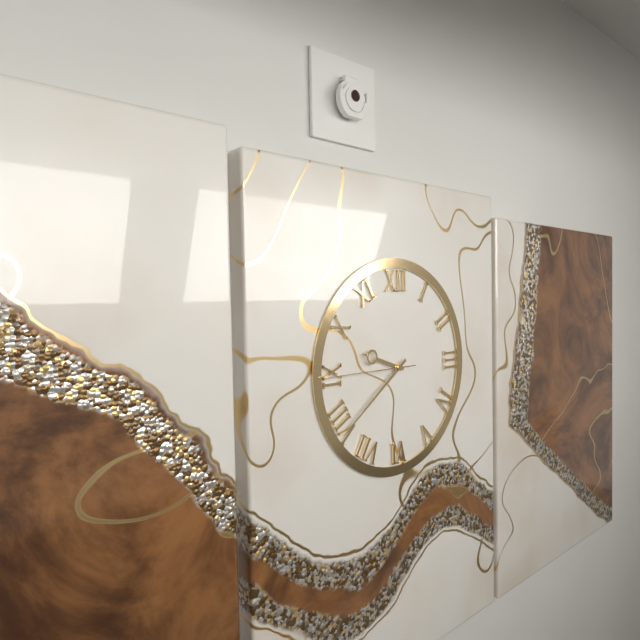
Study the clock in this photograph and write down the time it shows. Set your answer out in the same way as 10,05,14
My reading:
9,39,45
